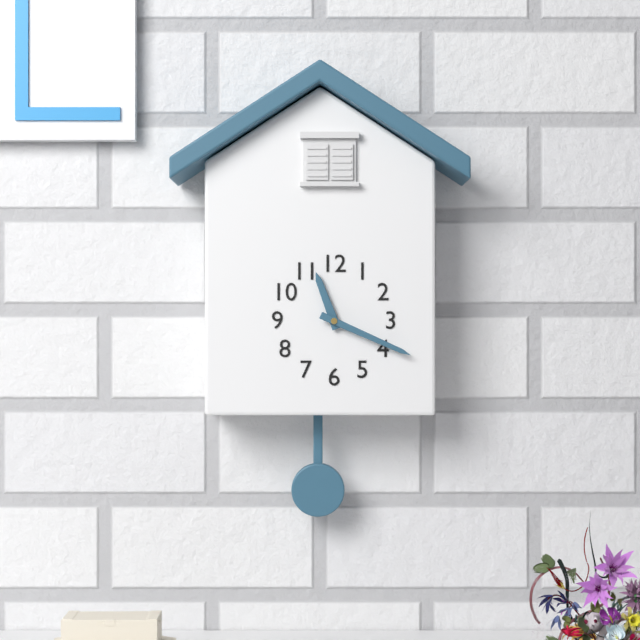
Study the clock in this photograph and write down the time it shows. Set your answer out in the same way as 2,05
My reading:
11,19
